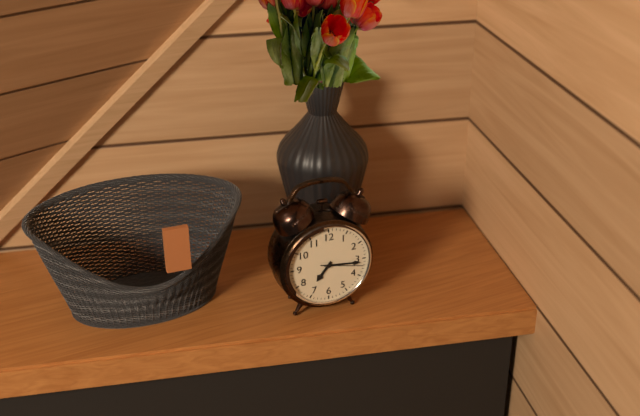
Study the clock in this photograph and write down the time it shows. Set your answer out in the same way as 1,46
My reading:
7,16
